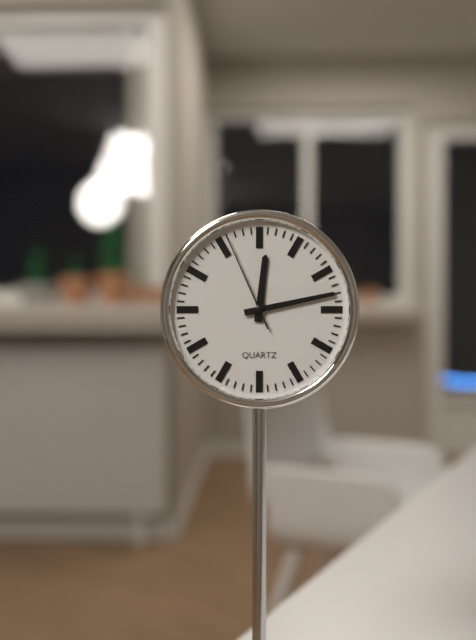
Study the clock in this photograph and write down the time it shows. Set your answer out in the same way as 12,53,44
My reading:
12,13,56
